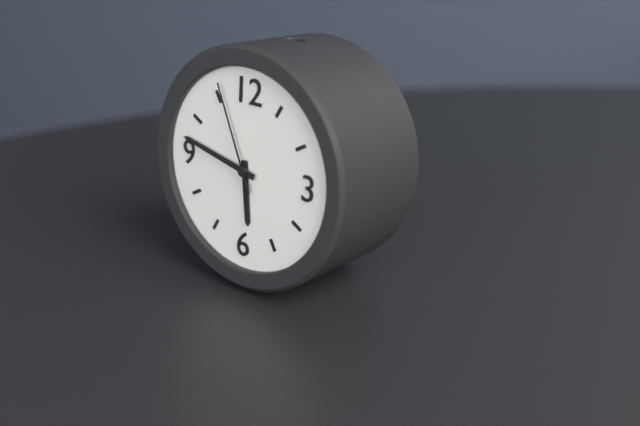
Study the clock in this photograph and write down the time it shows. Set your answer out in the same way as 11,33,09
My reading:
5,47,56
